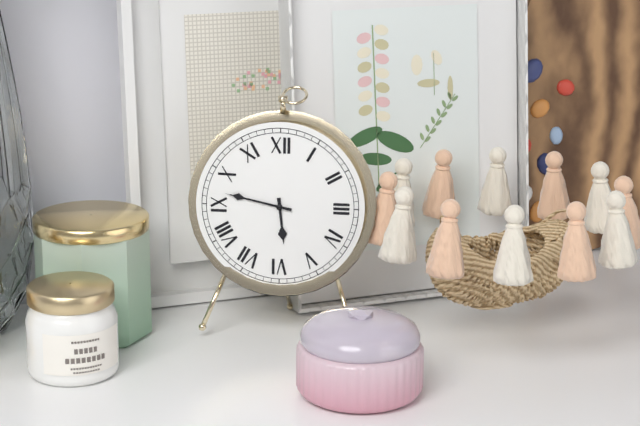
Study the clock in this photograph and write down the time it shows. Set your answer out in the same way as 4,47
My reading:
5,47
